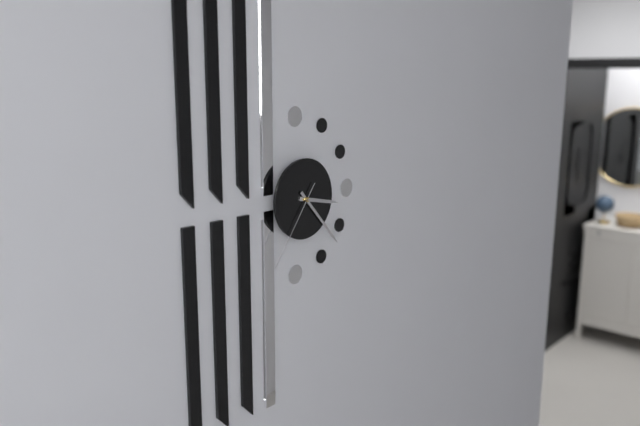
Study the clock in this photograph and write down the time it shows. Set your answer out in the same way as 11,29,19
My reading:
3,23,36
